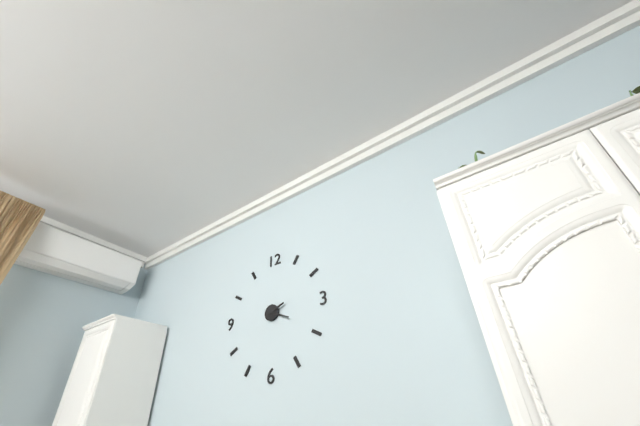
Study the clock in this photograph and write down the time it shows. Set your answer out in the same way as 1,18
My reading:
2,19
